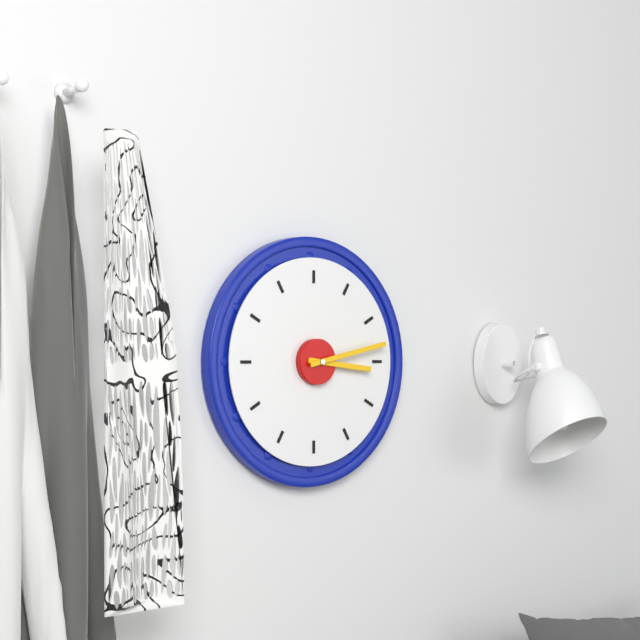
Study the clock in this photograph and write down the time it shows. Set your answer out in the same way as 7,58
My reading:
3,13
